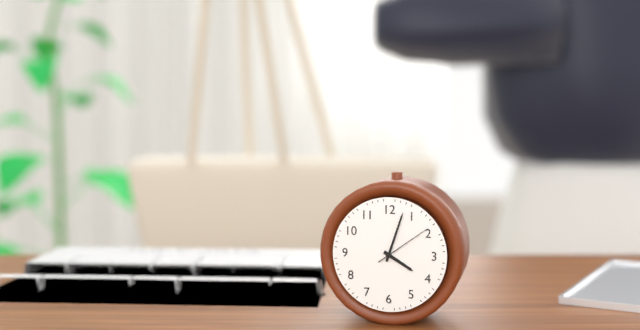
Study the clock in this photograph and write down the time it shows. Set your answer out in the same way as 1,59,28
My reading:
4,03,09
